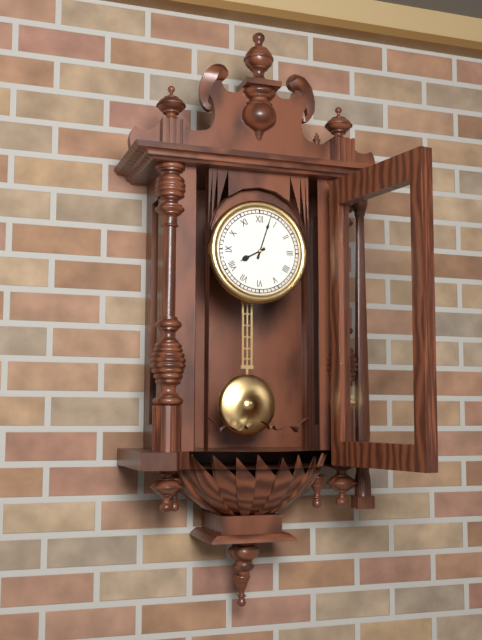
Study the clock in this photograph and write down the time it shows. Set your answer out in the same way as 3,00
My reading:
8,03
